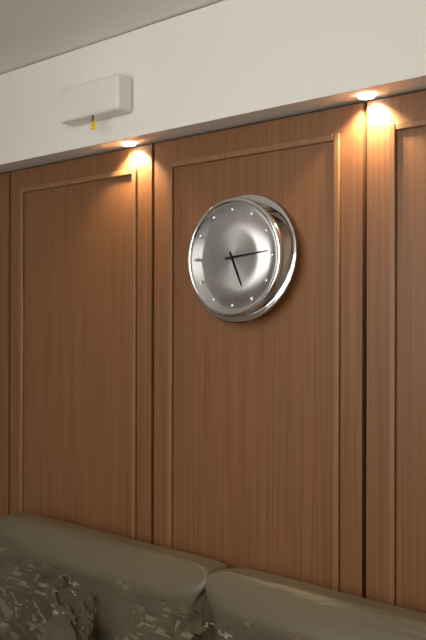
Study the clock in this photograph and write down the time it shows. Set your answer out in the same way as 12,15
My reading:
5,14
